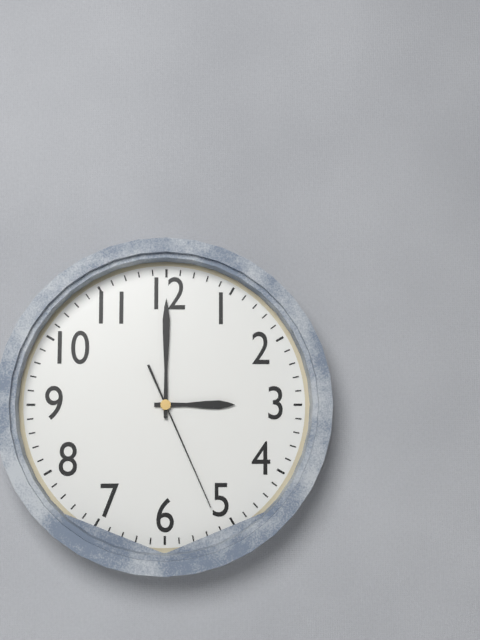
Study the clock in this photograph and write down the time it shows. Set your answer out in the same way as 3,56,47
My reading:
3,00,26
